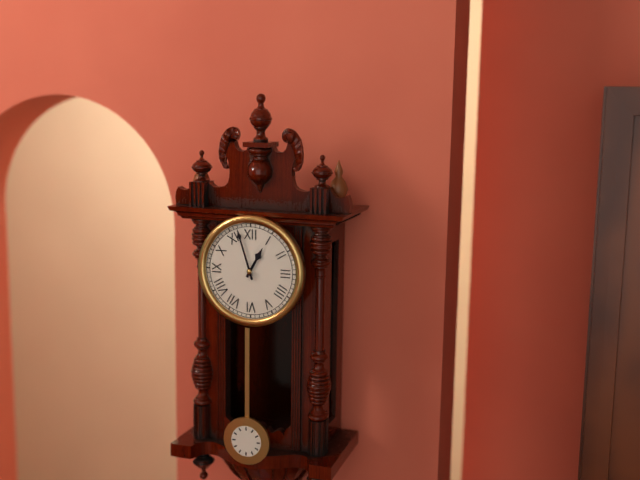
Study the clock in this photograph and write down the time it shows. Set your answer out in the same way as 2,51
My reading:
12,57
